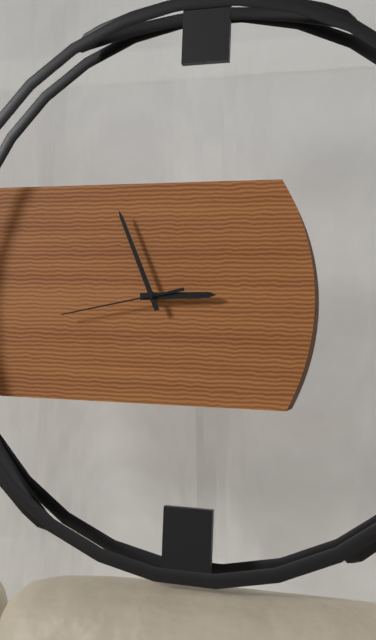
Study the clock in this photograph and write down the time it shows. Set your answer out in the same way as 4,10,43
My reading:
2,56,43
